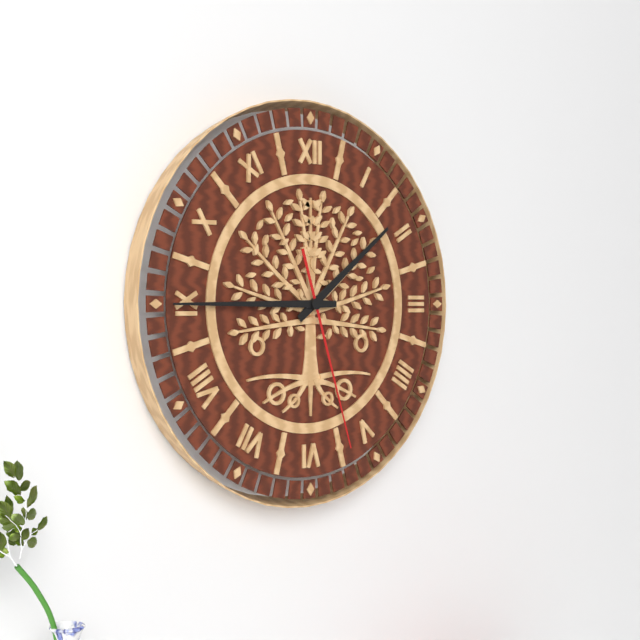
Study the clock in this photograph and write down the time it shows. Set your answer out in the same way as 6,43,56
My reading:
1,45,27
